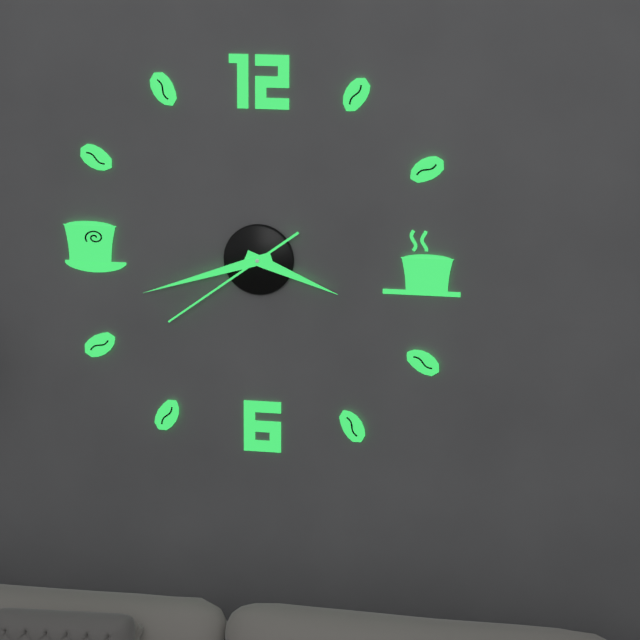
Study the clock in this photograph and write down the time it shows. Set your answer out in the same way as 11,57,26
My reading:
3,42,39
